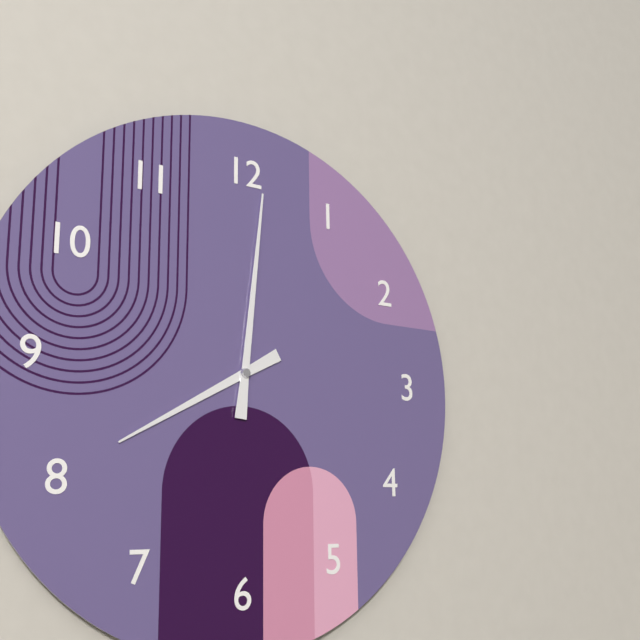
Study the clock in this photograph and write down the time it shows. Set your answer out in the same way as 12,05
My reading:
8,01
